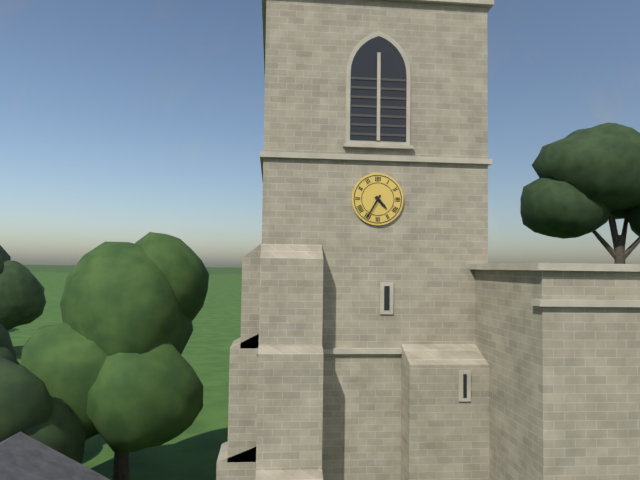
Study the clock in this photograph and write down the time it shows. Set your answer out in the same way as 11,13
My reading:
4,35
